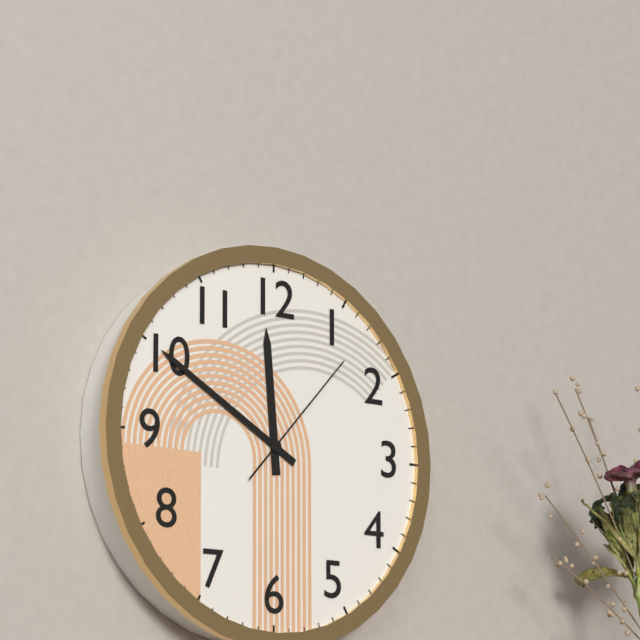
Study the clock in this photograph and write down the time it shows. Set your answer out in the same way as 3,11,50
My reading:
11,50,07
